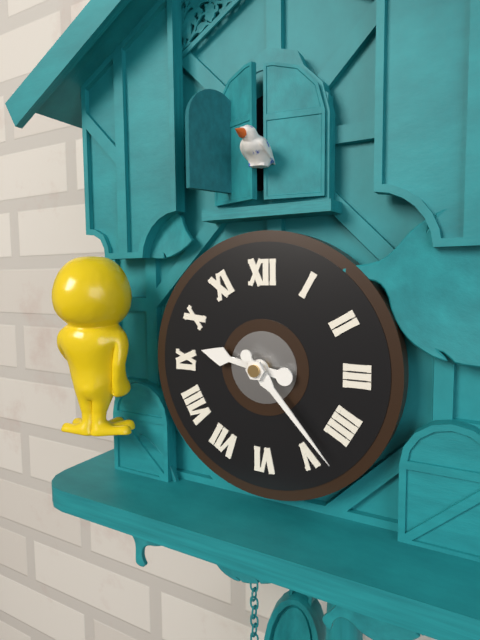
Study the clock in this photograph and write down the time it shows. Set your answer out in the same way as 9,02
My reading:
9,23
